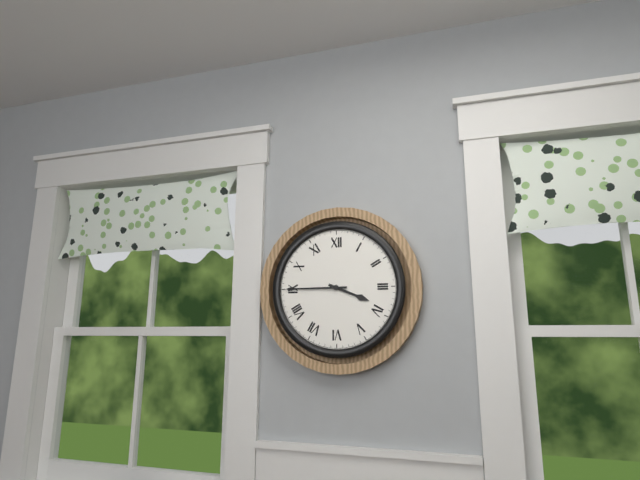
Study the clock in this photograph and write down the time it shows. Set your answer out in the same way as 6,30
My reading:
3,45
